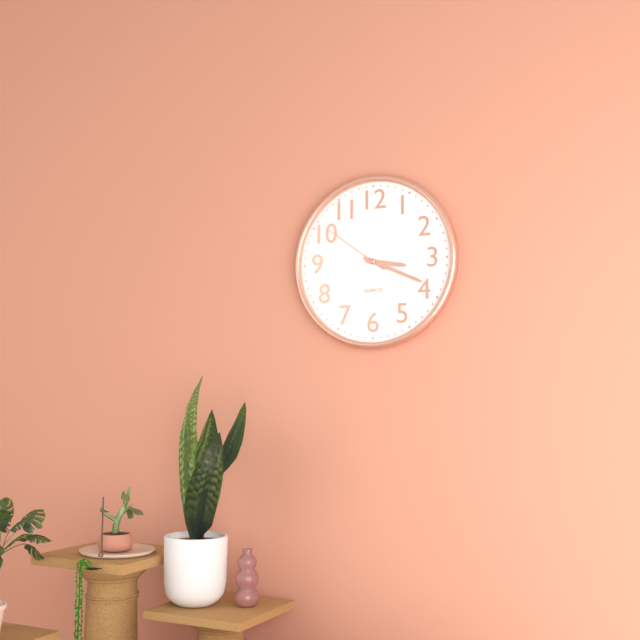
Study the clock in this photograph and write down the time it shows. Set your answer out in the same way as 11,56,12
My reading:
3,19,51
